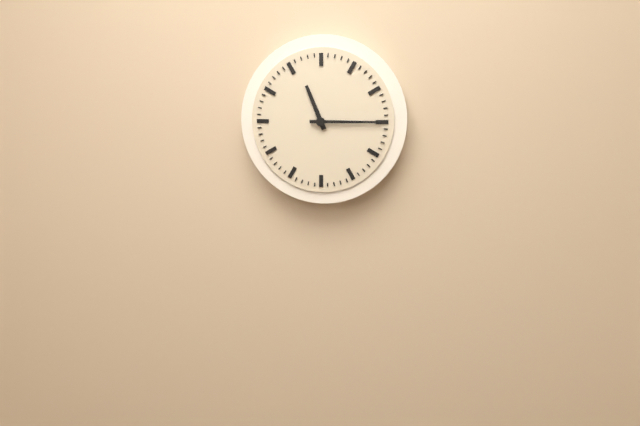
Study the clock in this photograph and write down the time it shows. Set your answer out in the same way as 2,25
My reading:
11,15
